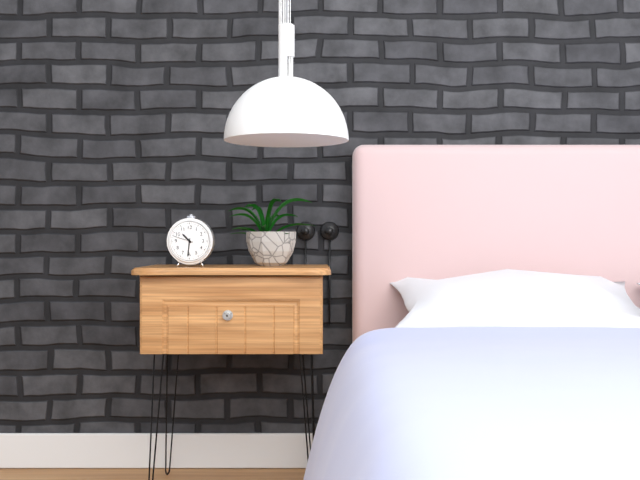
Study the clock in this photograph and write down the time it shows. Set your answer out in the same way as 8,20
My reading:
10,31
